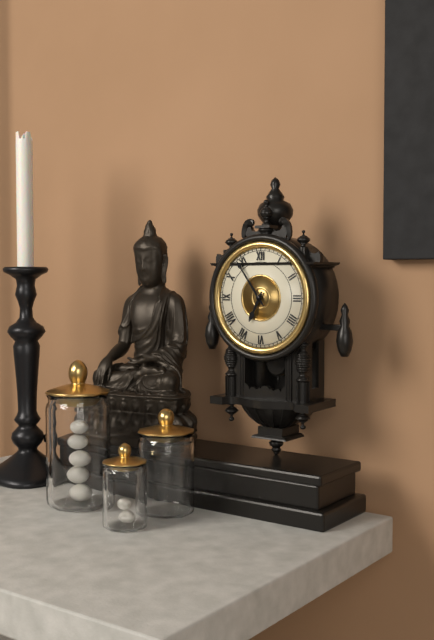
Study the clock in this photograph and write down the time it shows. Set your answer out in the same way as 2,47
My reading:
6,54
